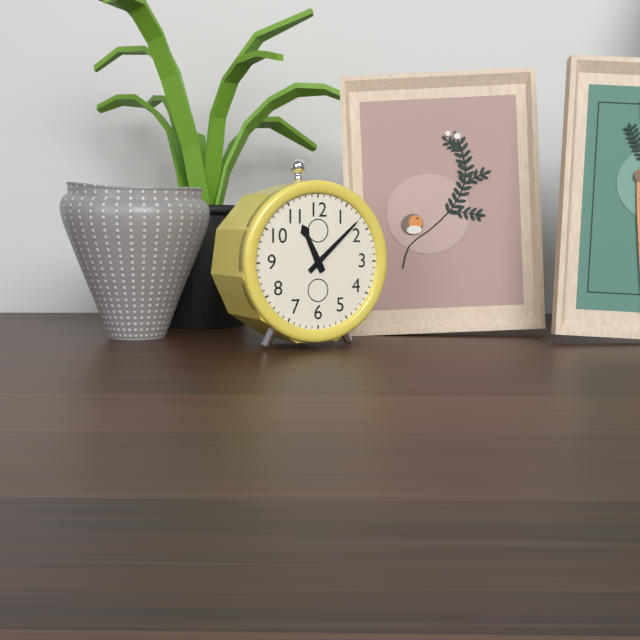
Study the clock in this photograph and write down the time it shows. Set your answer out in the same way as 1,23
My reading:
11,08
